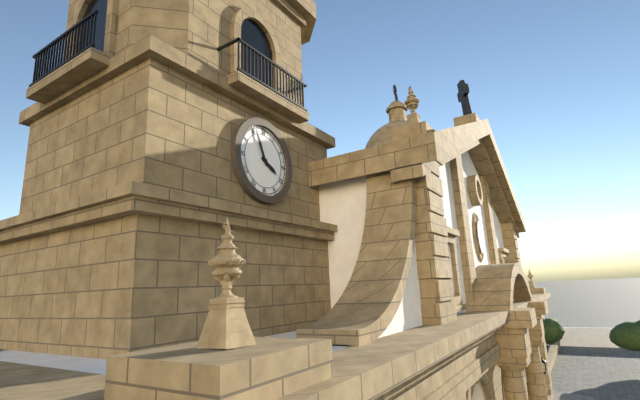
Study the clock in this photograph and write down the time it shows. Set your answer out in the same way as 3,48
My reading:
3,56
